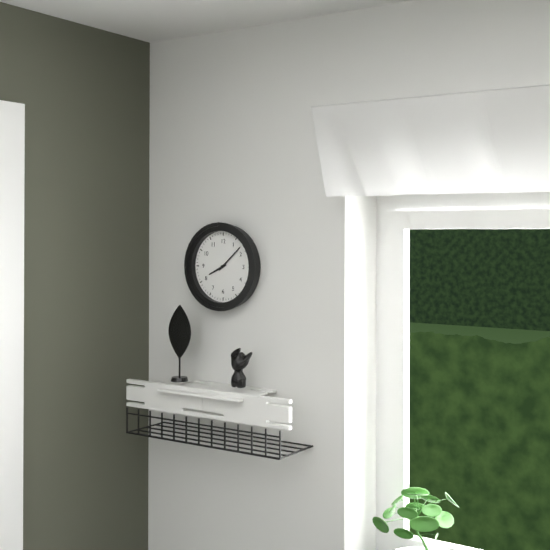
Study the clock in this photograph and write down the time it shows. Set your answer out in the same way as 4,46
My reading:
8,08
